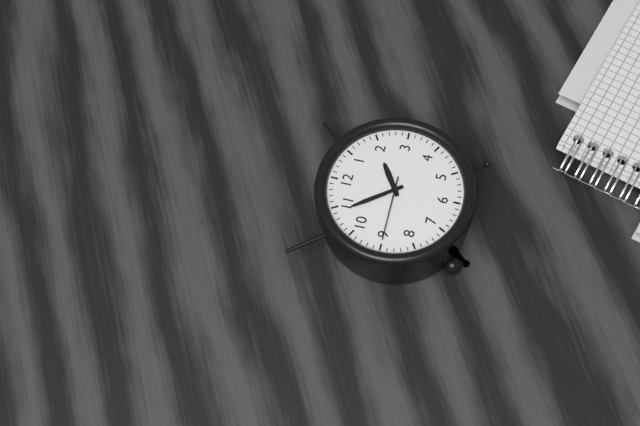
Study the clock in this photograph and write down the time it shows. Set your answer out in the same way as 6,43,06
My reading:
1,54,45
